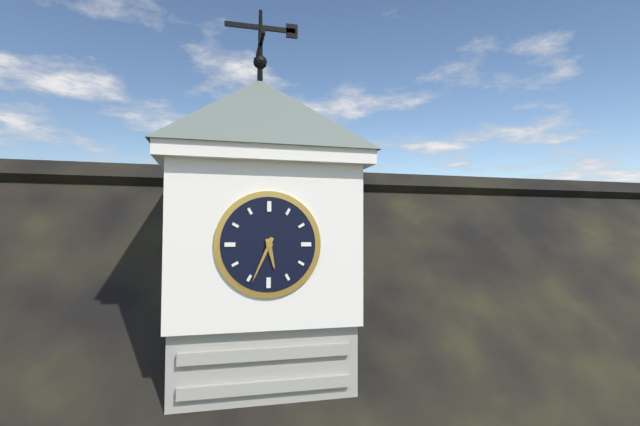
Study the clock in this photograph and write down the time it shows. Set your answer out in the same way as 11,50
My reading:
5,34
